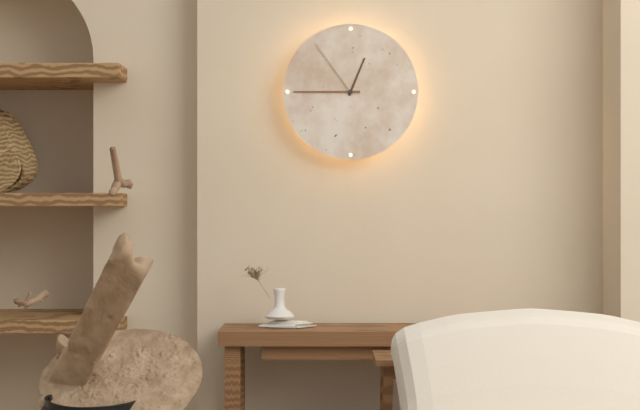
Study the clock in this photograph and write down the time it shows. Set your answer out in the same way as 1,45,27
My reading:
12,45,54
